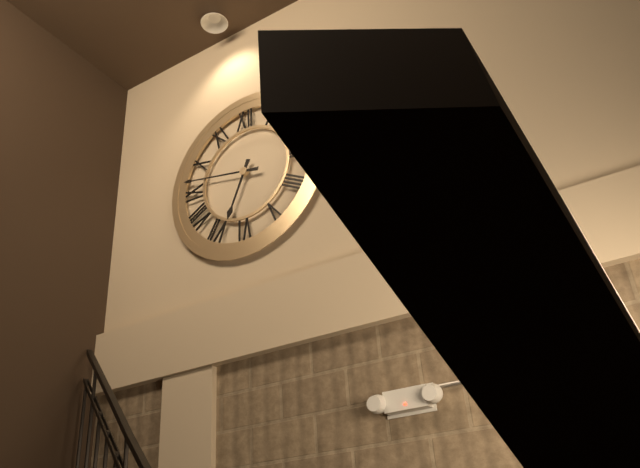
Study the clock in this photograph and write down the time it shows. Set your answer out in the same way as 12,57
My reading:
6,47
